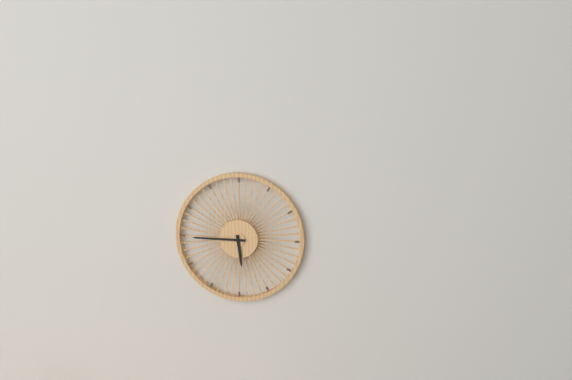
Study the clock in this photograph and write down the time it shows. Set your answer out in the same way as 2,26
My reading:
5,45
